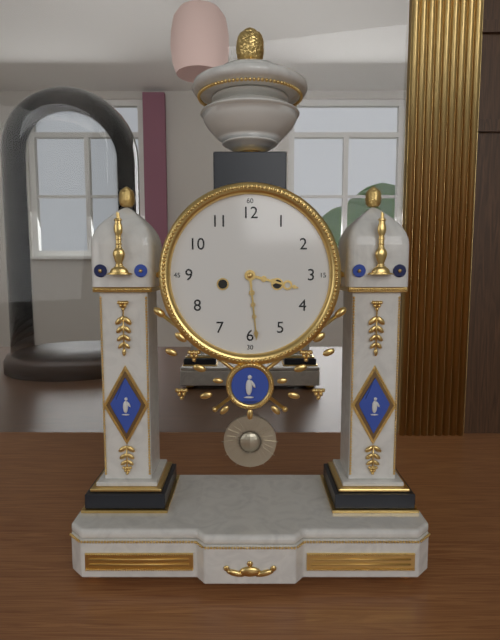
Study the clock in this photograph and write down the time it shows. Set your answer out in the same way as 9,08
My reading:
3,29
